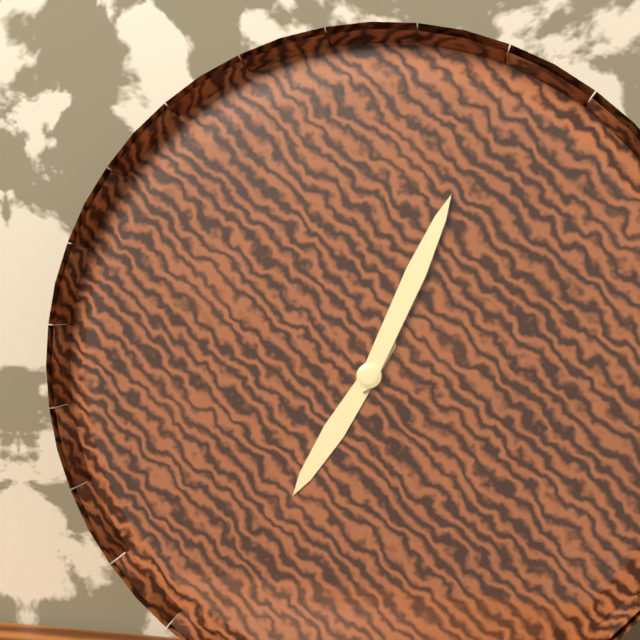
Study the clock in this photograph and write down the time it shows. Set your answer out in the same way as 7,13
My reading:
7,04
